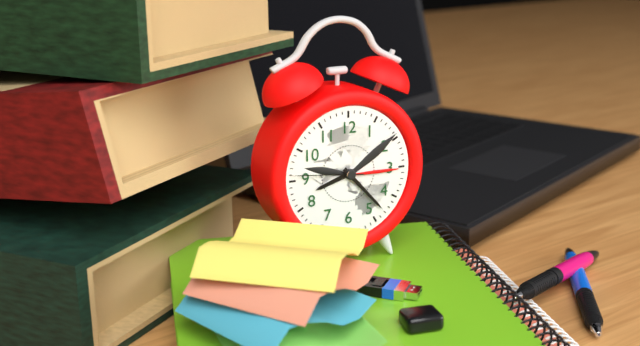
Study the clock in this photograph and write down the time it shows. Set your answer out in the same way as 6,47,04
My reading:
8,23,46
